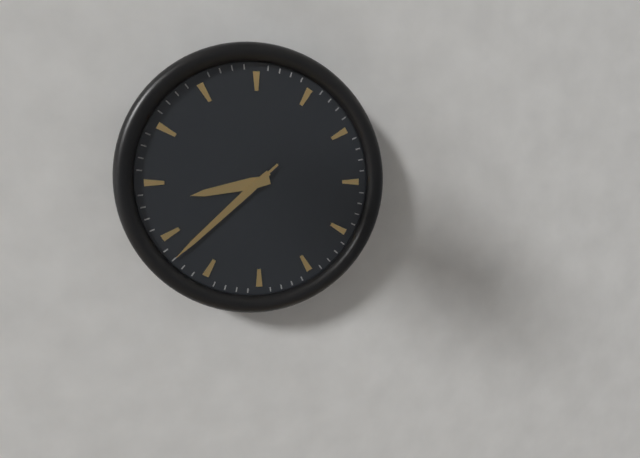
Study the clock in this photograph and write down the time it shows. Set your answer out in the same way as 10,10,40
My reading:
8,38,38
